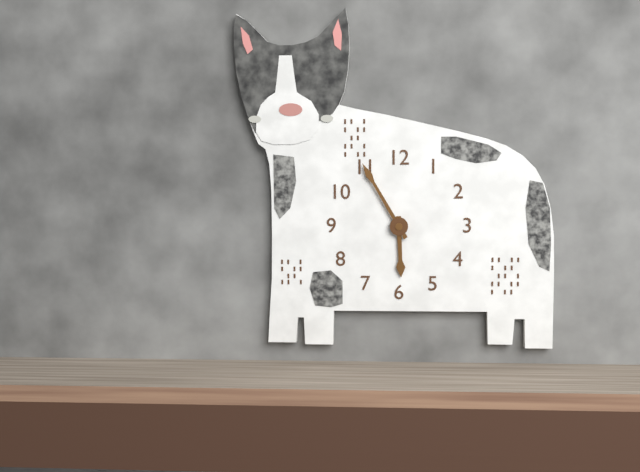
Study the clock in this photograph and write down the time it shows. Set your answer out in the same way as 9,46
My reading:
5,55
